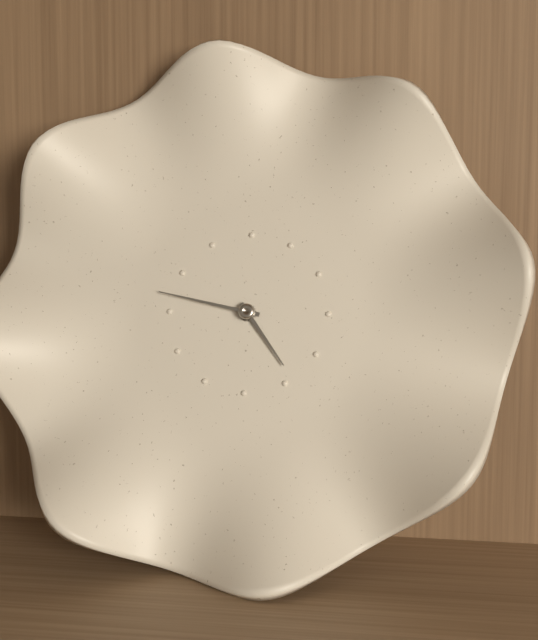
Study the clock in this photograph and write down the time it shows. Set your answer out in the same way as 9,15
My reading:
4,47
